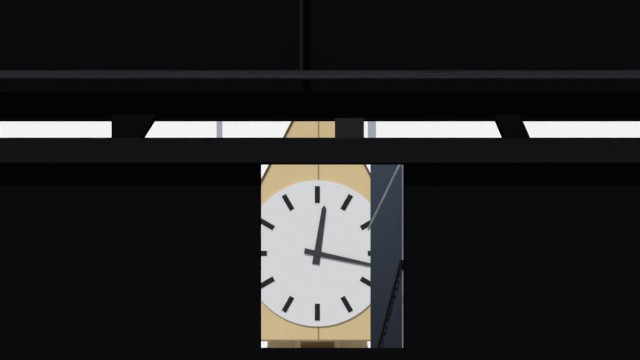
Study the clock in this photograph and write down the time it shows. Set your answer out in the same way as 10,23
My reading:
12,17
